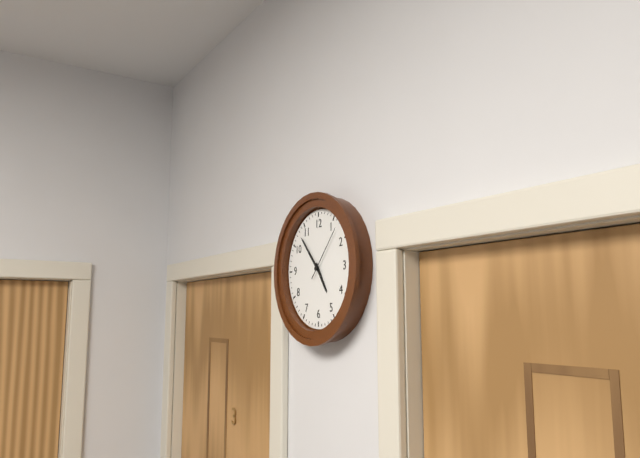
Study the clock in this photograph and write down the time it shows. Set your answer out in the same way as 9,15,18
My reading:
4,53,07
